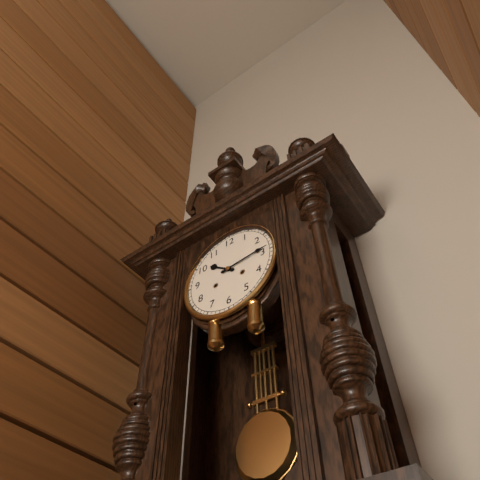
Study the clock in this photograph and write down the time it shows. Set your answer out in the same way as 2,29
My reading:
10,14
